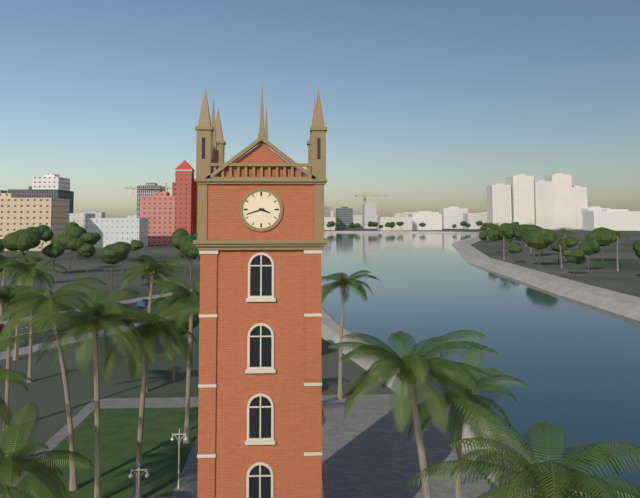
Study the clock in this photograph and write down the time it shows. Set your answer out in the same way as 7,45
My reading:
3,42
